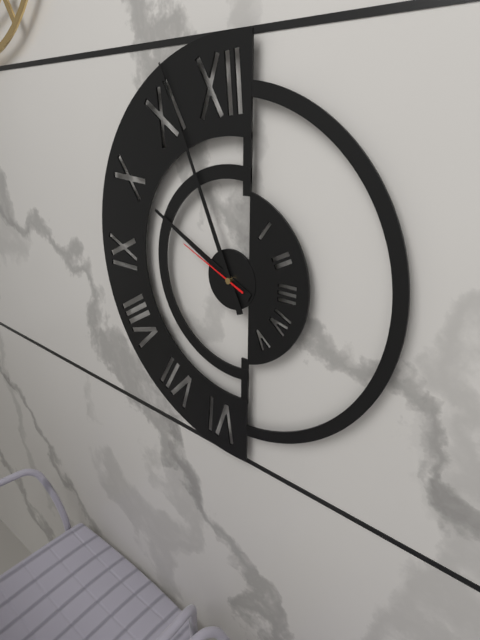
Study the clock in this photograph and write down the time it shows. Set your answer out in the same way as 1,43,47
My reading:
9,56,49
